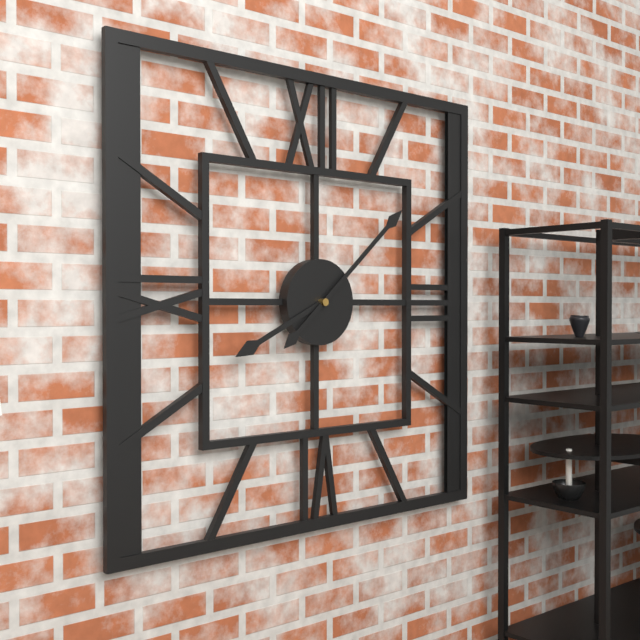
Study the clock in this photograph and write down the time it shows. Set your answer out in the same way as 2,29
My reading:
8,08
